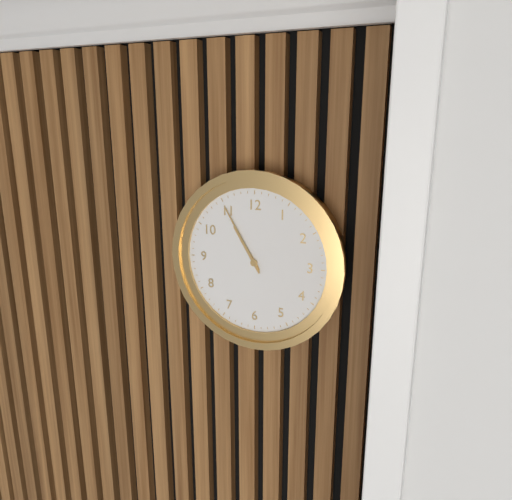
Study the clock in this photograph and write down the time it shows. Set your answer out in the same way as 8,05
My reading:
10,55
